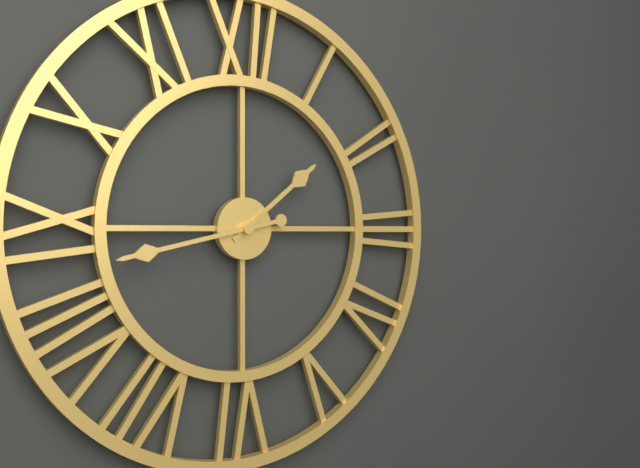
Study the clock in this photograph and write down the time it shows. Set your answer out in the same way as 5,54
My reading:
1,43
